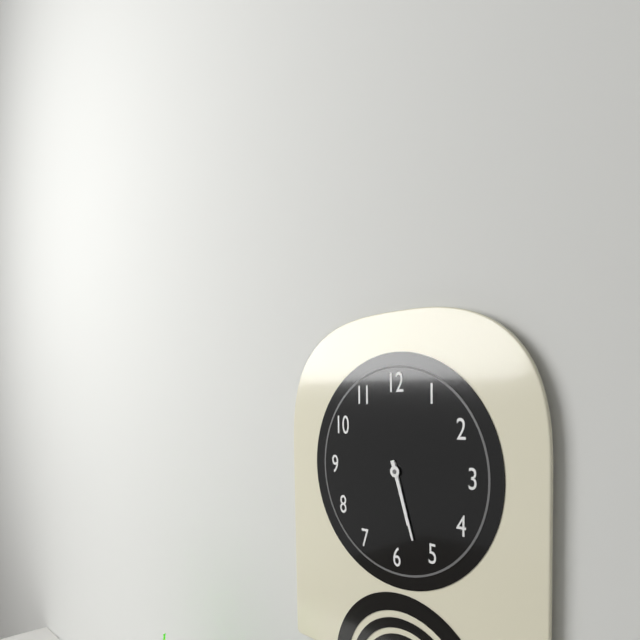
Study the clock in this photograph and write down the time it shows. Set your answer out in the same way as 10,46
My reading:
5,27
